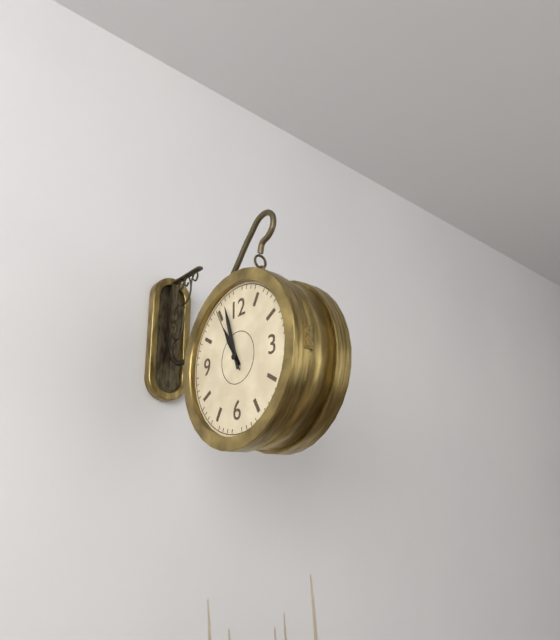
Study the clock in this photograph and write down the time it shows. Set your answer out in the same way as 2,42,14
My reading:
10,57,55
